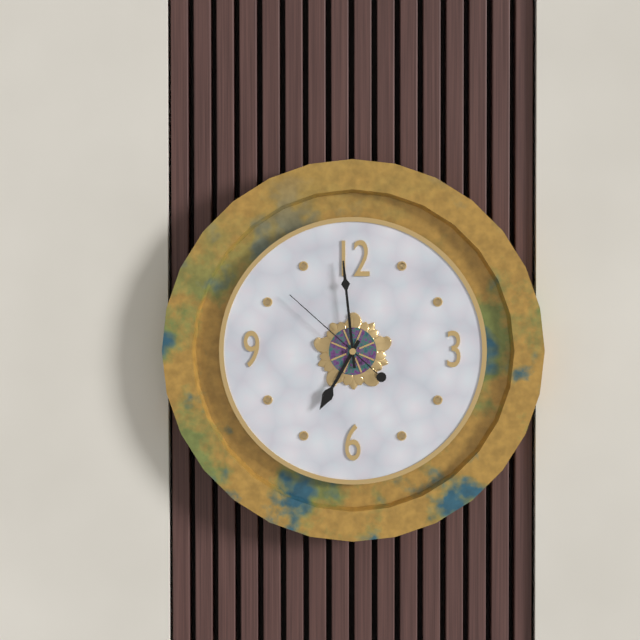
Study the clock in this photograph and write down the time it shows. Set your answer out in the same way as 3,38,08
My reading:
6,59,52
